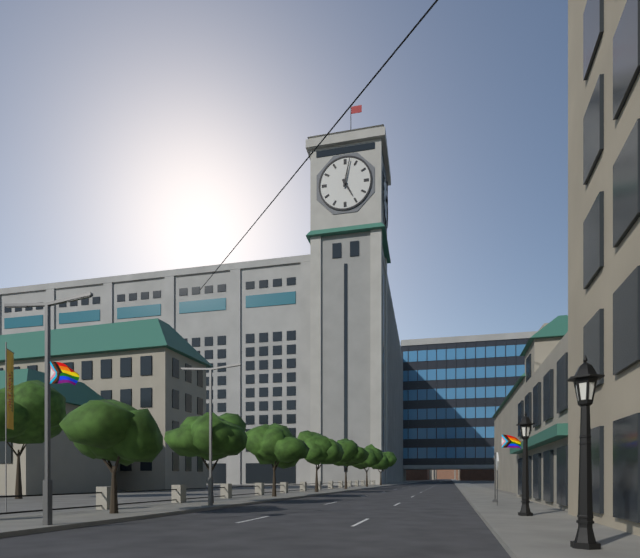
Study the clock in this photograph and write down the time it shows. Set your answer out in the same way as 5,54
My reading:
5,02
